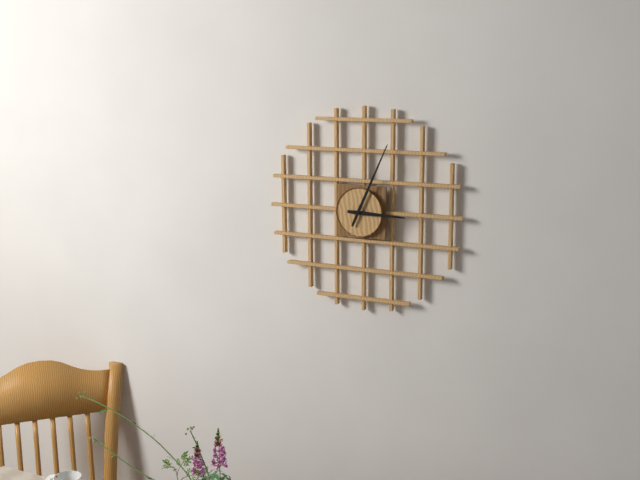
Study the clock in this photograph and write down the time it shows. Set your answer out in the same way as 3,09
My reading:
3,04
